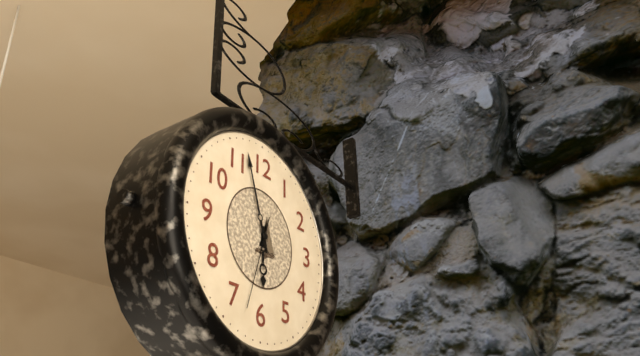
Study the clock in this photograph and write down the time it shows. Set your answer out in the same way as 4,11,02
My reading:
5,57,33
